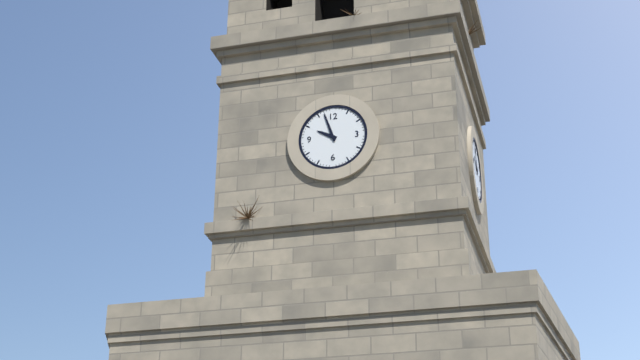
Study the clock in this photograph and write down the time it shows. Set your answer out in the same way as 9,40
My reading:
9,57
